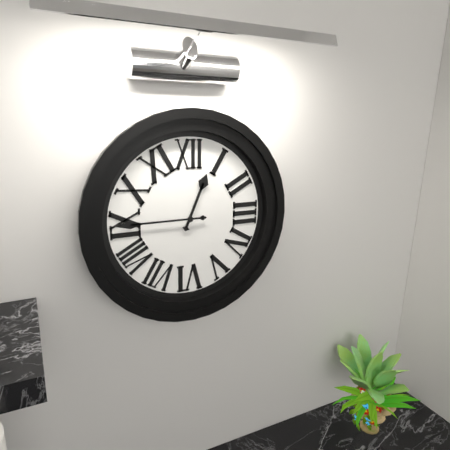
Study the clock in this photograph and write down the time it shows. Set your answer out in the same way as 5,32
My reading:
12,45
